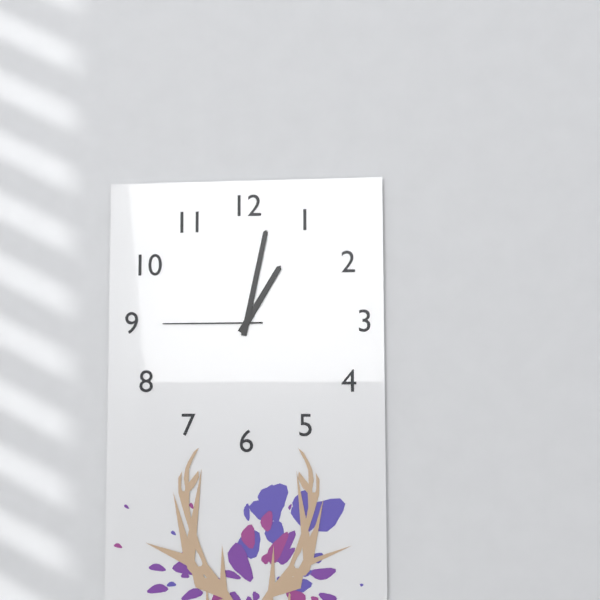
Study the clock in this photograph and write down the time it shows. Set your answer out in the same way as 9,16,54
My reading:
1,02,45
